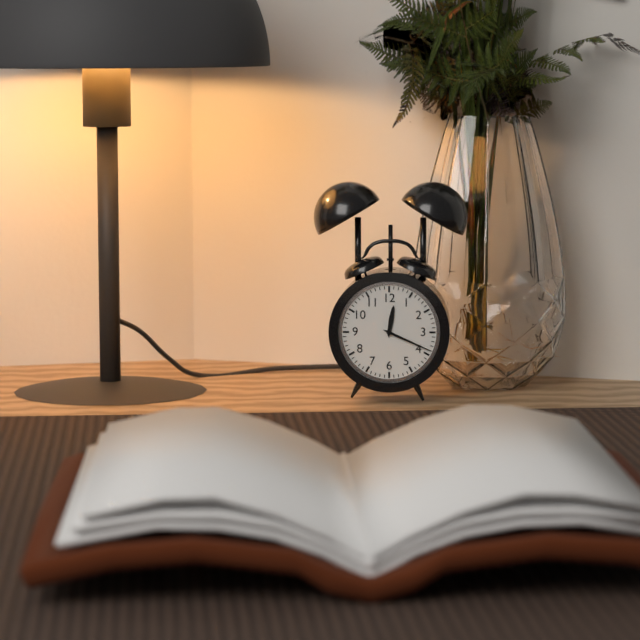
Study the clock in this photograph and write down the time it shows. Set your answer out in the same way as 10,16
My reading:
12,19
